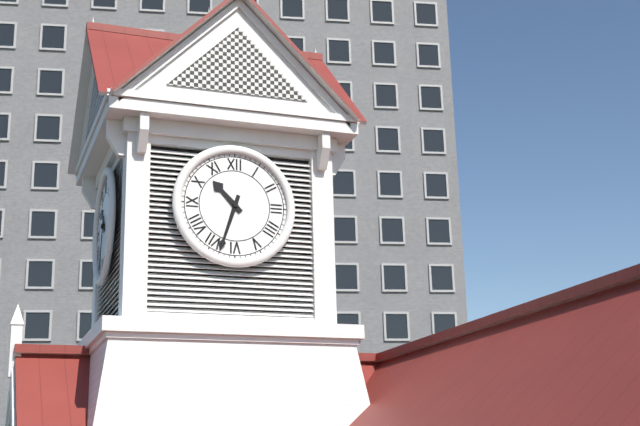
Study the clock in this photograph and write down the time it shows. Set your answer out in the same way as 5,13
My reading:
10,33
